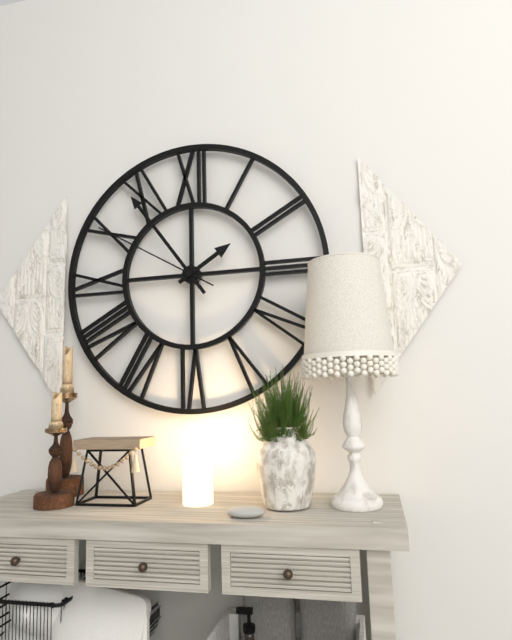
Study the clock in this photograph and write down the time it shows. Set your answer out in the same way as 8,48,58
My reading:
1,54,50
